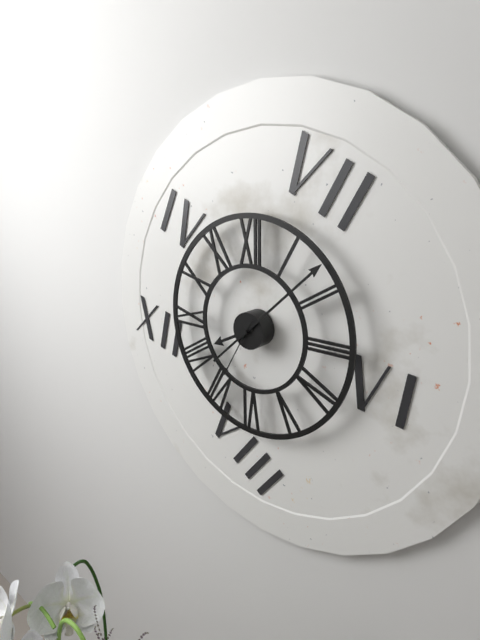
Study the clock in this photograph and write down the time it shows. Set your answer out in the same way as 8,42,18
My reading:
8,08,35
